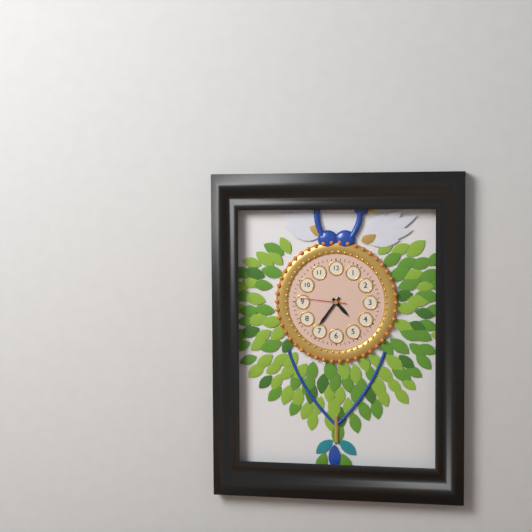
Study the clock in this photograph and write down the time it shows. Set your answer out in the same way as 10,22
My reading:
4,36
